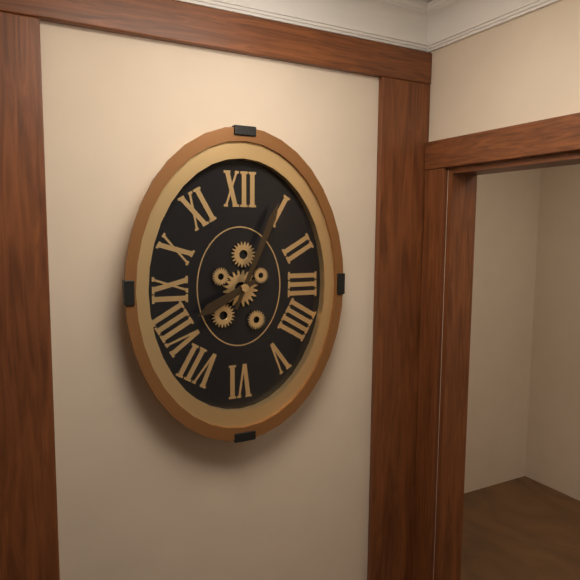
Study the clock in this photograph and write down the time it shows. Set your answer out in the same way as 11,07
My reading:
8,04
